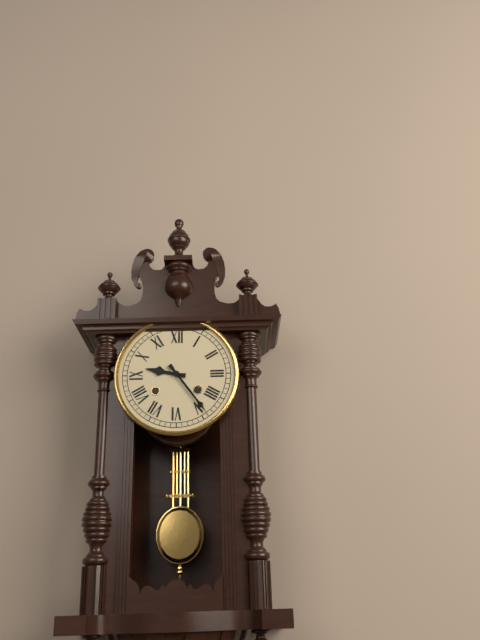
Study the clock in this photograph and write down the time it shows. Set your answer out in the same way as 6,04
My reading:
9,24
